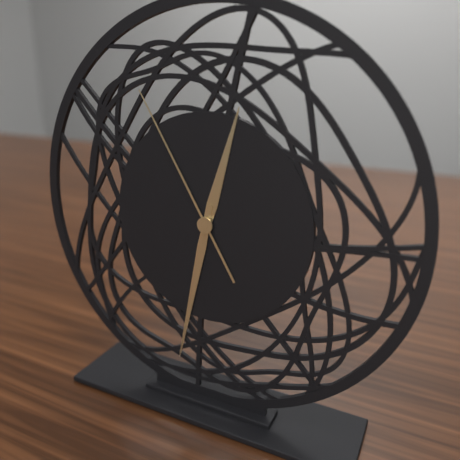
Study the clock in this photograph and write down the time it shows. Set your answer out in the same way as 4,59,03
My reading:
12,32,55
